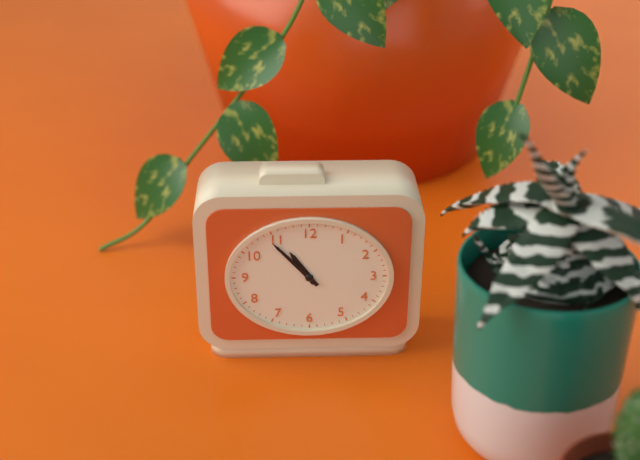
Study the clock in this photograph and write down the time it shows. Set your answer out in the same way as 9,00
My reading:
10,53
